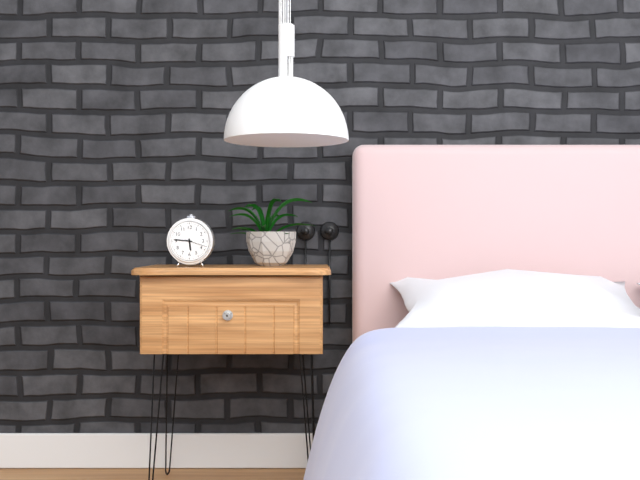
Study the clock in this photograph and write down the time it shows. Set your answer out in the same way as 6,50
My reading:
5,46
